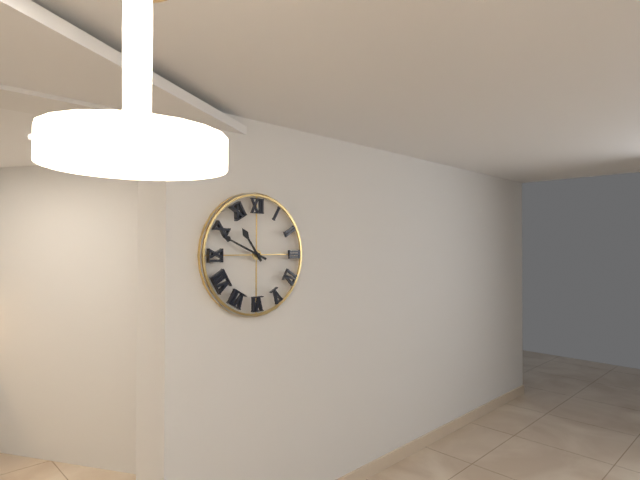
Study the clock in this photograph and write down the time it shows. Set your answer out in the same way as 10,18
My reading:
10,49
